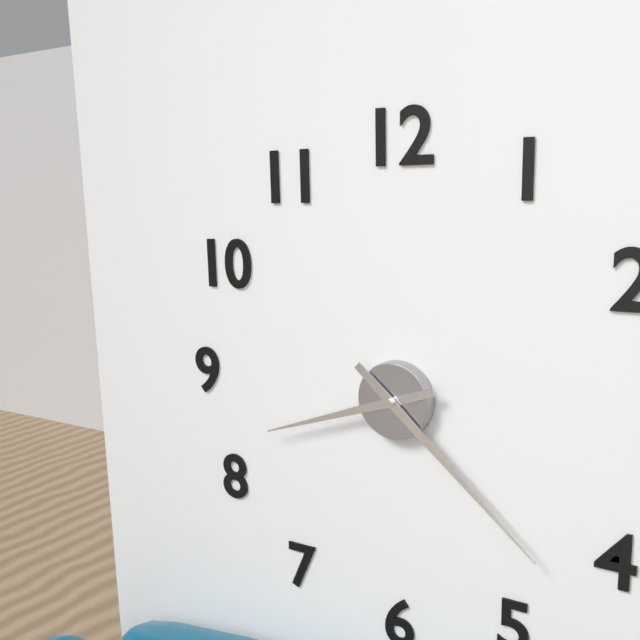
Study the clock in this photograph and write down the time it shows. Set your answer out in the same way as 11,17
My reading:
8,22
